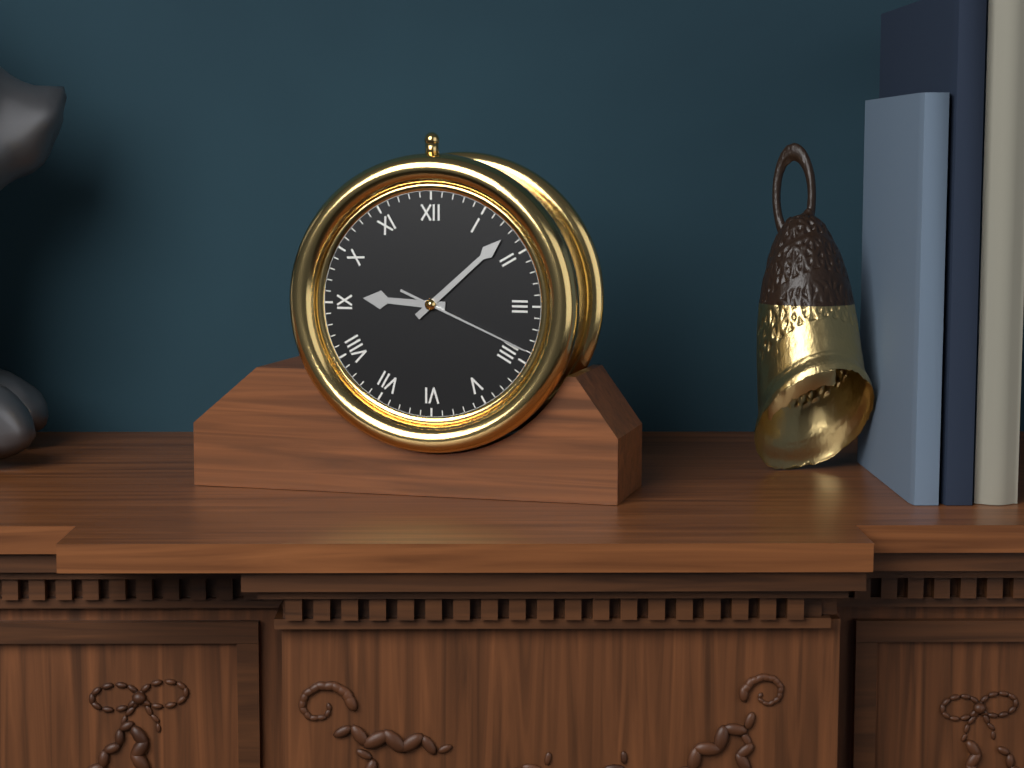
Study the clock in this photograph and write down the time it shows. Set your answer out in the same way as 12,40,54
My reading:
9,08,19
